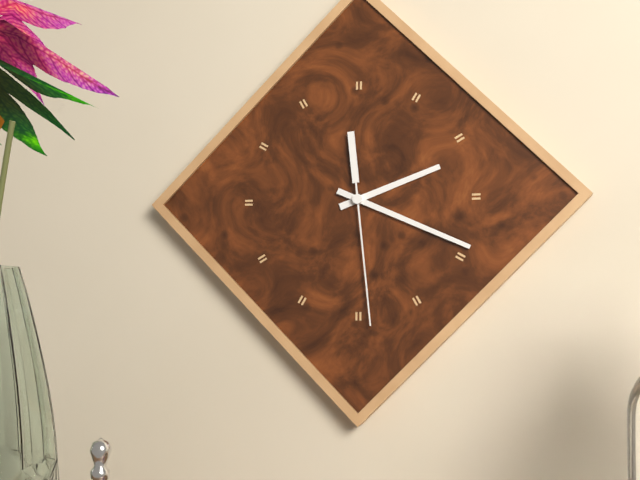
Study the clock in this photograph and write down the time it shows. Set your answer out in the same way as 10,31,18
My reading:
2,19,29
